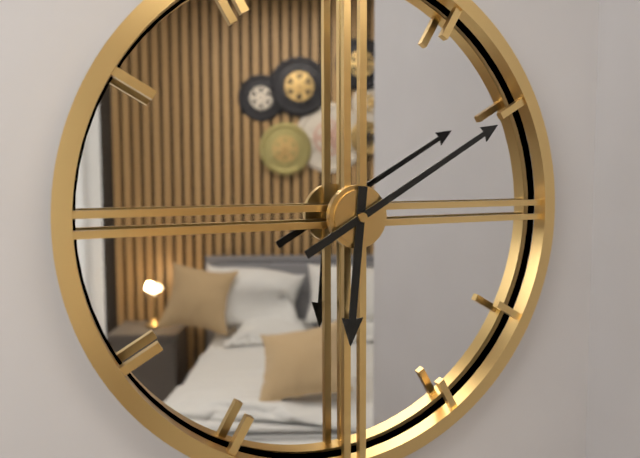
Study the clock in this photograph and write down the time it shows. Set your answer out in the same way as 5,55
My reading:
6,10
